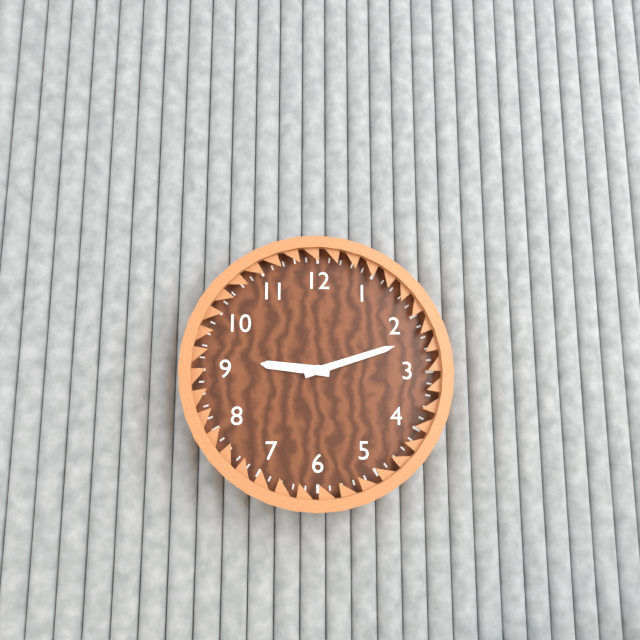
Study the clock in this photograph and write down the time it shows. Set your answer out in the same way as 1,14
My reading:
9,12
